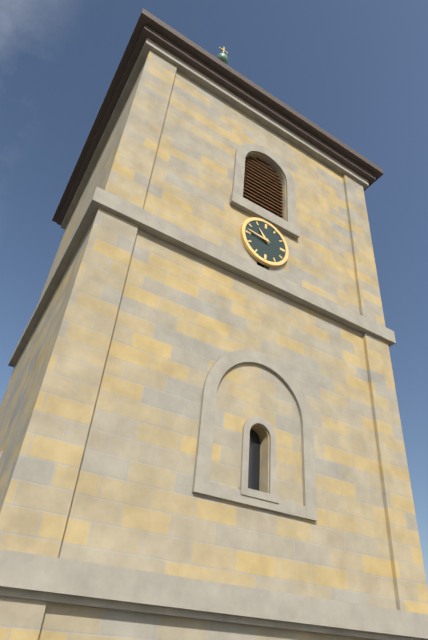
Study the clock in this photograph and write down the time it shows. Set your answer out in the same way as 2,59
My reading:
10,46
